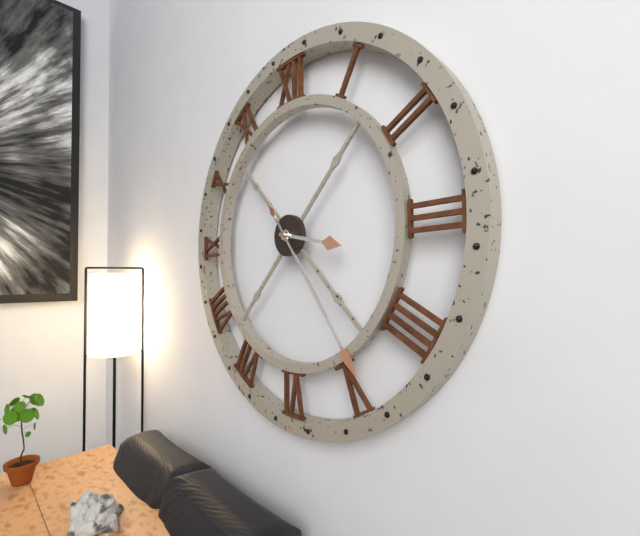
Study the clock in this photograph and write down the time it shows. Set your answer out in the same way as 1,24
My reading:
3,24
